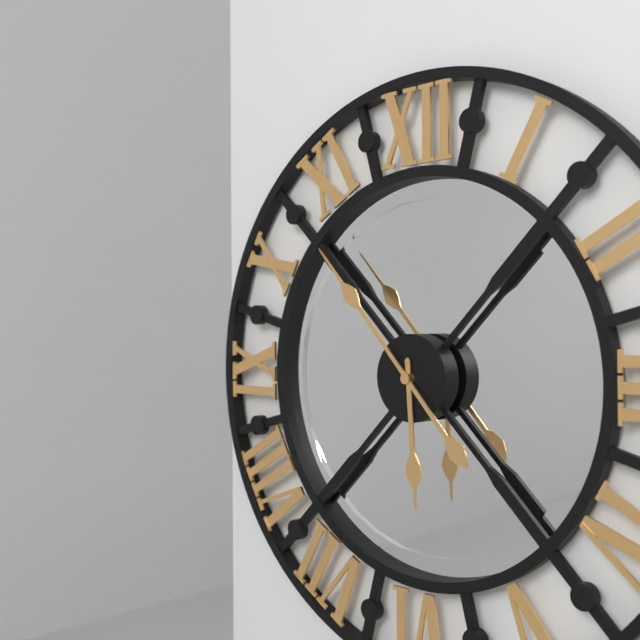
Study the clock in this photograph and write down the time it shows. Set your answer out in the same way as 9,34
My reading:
5,53
